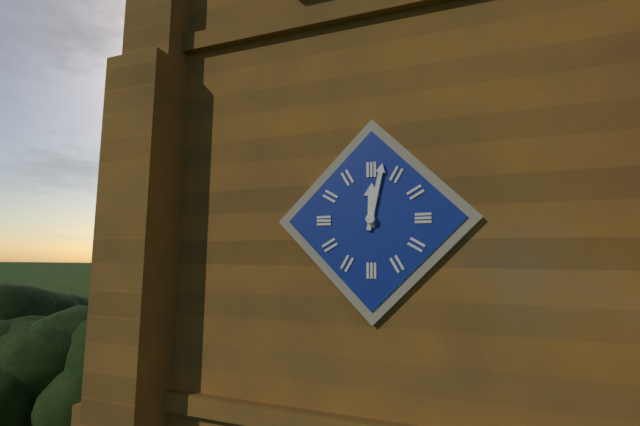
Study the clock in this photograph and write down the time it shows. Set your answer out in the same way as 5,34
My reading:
12,02
